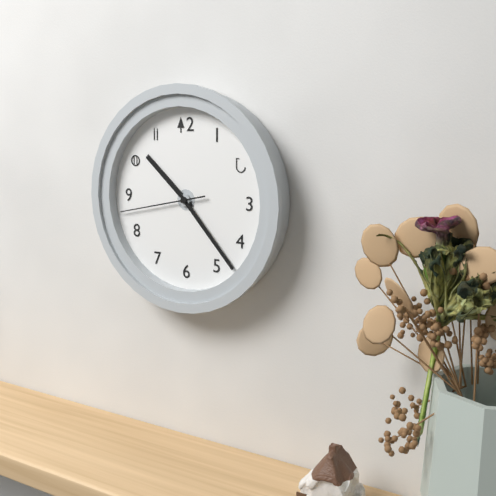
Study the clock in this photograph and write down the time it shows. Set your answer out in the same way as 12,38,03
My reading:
10,23,43
